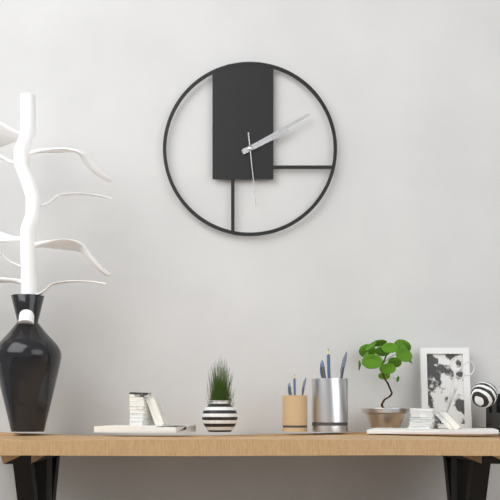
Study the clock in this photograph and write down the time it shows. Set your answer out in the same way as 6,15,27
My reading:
2,10,29
